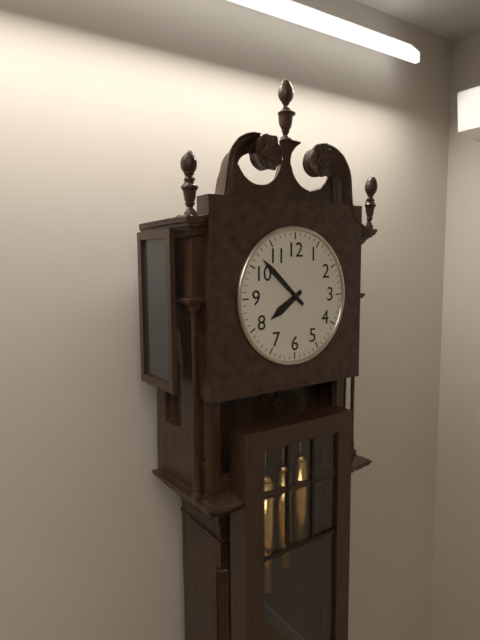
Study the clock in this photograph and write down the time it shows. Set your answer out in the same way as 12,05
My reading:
7,52
